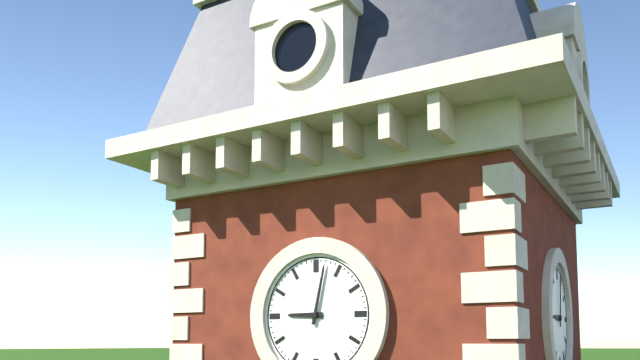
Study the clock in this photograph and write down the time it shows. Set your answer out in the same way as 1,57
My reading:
9,02
